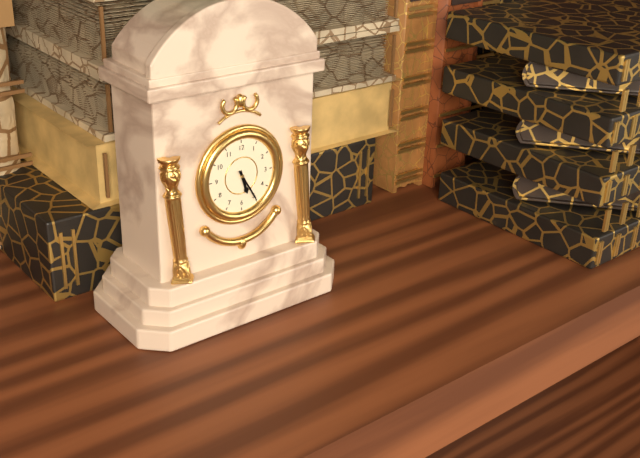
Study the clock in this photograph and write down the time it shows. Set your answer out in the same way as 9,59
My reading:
5,25
